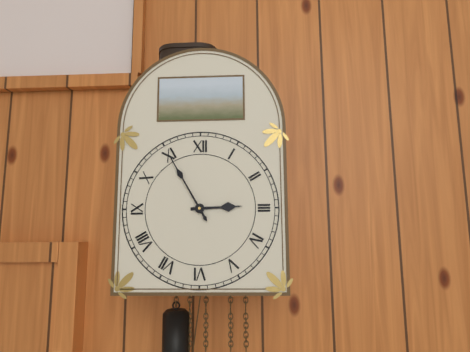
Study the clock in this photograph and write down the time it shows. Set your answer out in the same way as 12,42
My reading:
2,55
